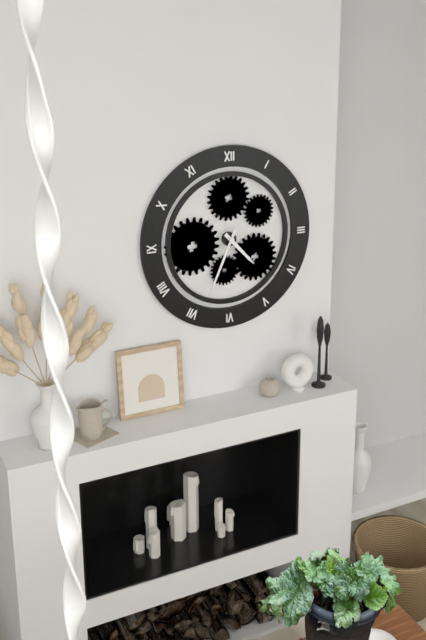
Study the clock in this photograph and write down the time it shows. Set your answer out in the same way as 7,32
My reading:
4,34
